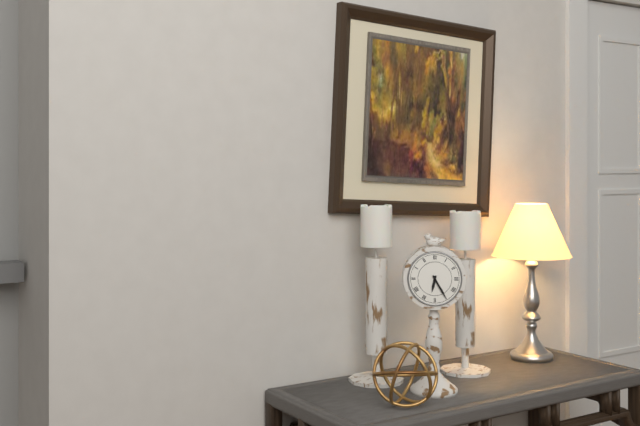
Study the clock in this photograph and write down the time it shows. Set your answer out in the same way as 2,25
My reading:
6,25
